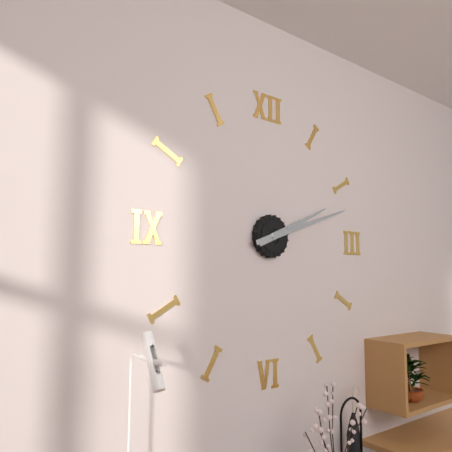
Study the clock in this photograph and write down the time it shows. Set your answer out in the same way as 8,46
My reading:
2,12
